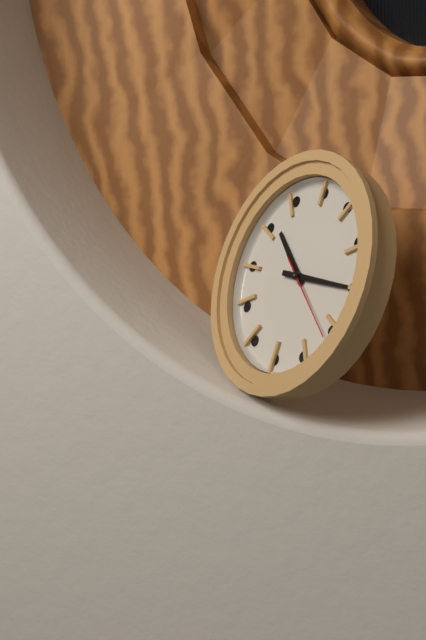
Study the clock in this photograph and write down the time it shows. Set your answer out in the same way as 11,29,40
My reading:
10,15,21
